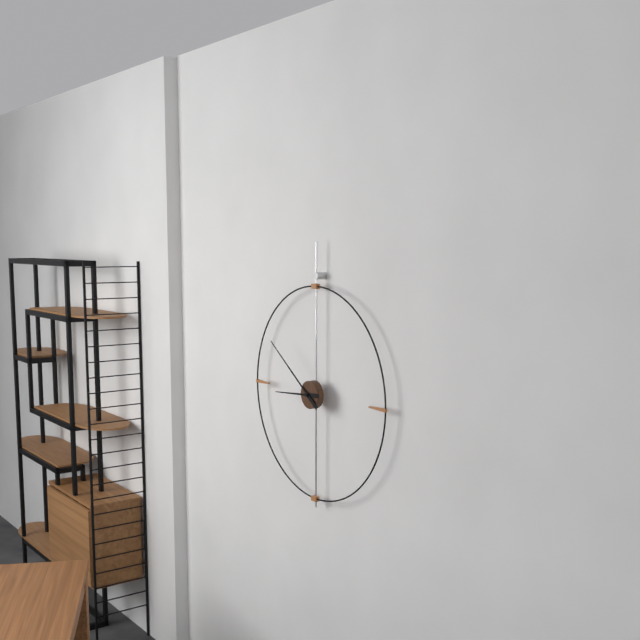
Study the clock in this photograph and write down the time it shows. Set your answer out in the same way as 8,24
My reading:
8,51
